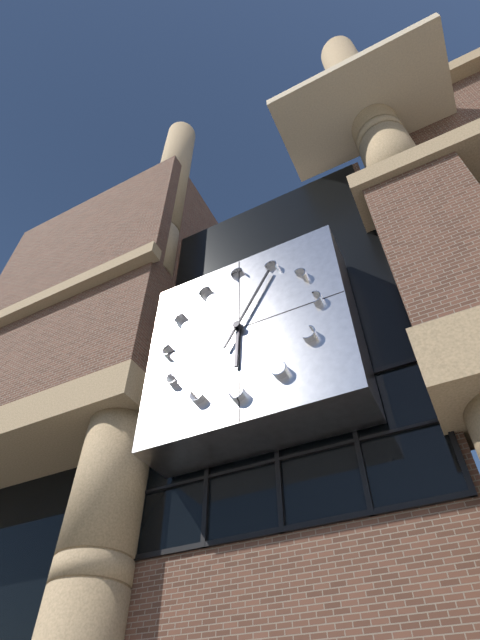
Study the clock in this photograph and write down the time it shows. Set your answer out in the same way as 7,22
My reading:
6,05
